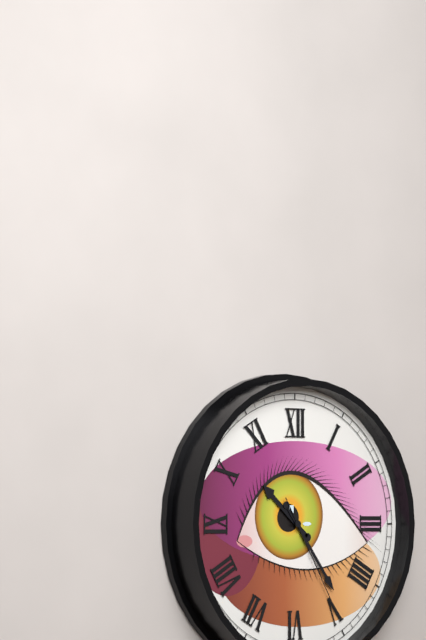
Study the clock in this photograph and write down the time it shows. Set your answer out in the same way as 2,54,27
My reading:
10,24,25
